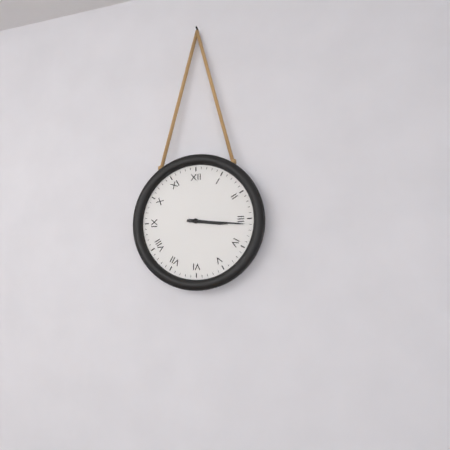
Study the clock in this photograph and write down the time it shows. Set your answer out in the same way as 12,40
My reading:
3,16
